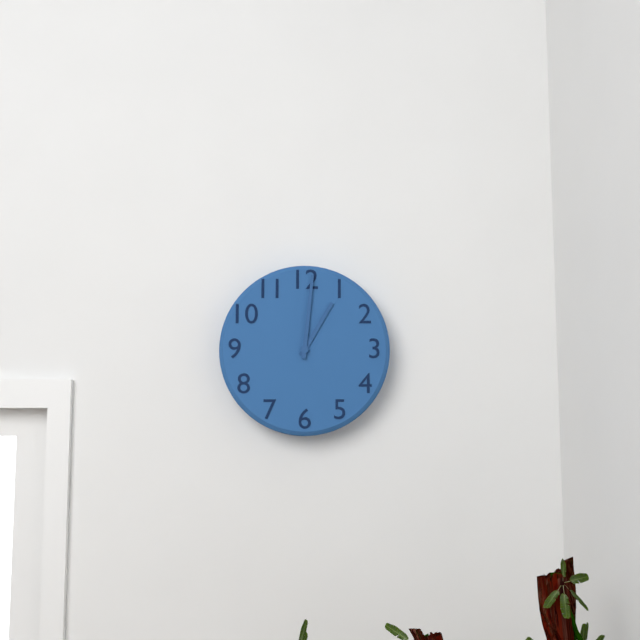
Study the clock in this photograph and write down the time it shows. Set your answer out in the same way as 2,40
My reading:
1,01
